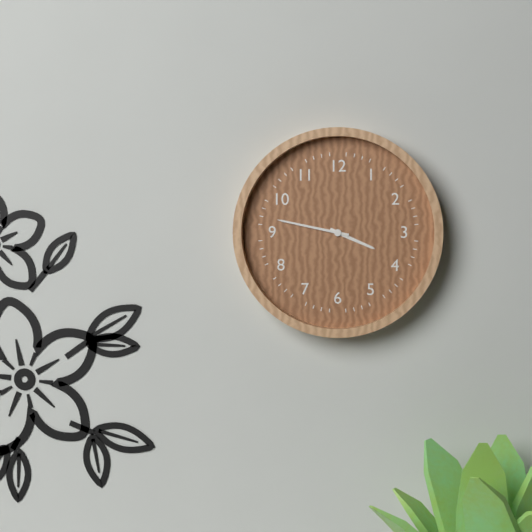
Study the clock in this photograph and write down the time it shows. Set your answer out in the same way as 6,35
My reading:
3,47
